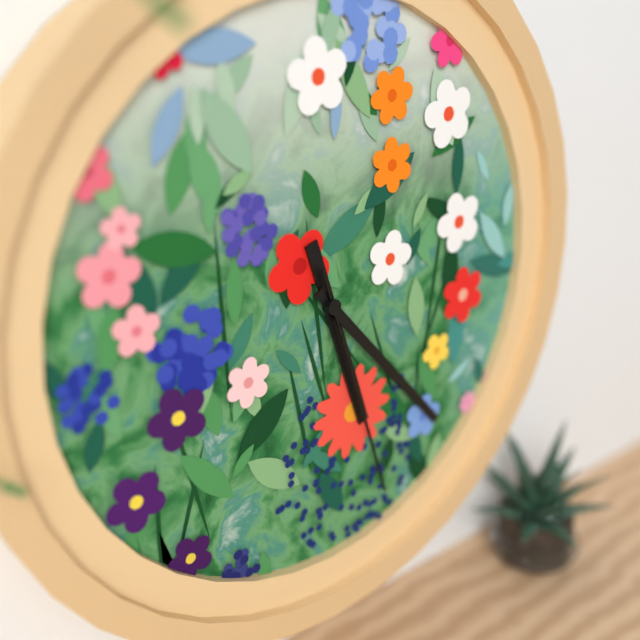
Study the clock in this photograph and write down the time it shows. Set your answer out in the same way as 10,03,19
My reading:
5,23,27
